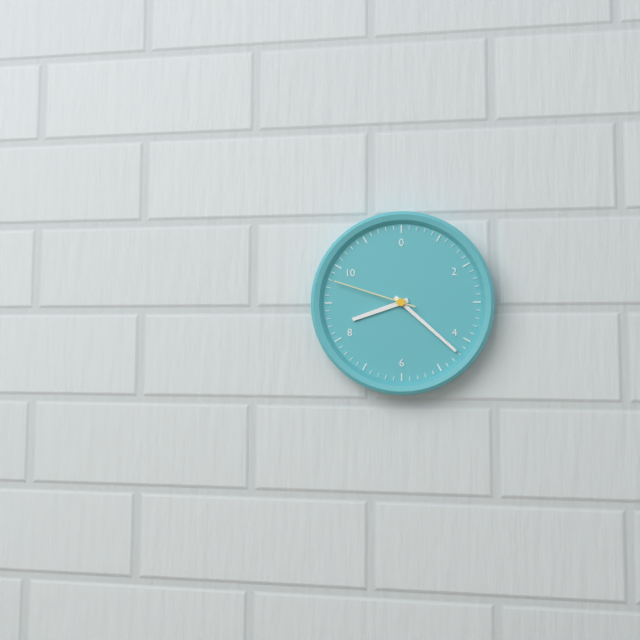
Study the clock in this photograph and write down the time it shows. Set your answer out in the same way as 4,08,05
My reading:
8,22,48
